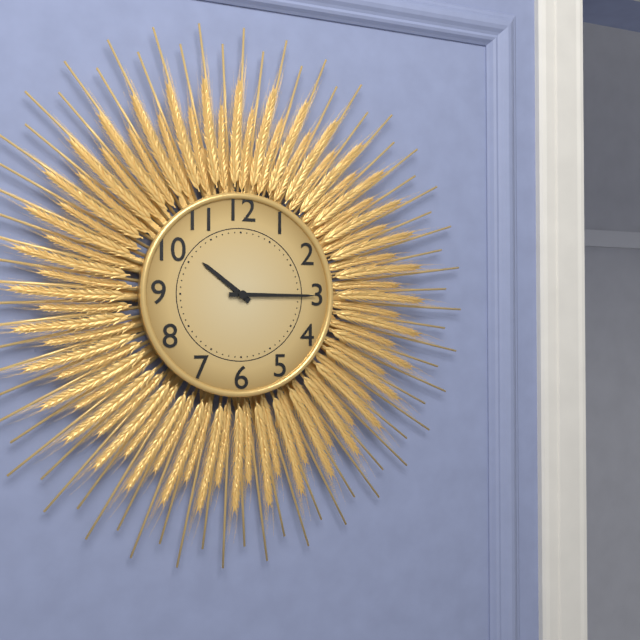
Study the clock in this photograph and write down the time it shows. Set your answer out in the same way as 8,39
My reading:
10,15
